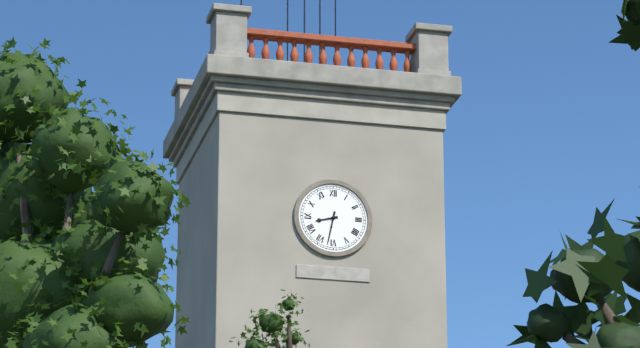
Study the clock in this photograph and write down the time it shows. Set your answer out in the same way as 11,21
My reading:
8,32
